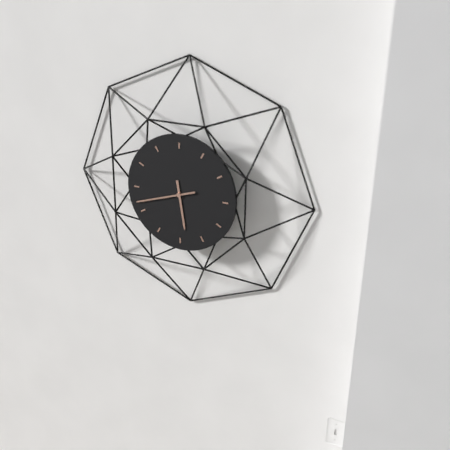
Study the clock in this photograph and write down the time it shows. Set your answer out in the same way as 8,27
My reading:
5,42
